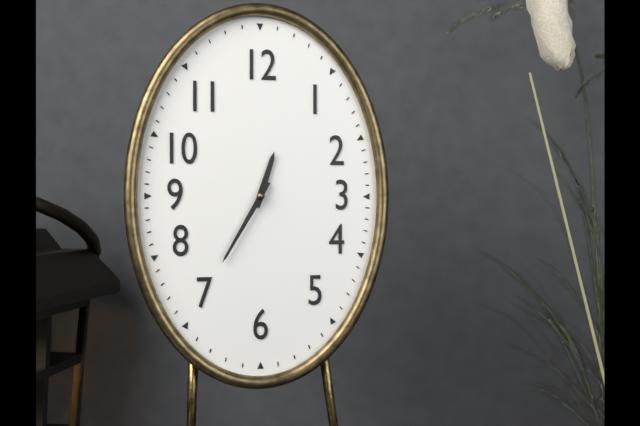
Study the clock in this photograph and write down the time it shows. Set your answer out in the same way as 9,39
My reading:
12,35
